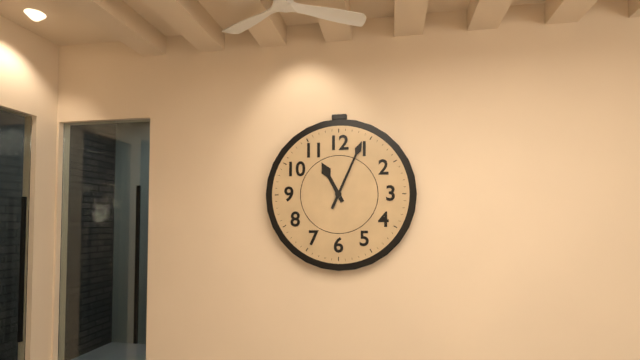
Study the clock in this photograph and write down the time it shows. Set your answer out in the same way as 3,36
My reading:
11,04
